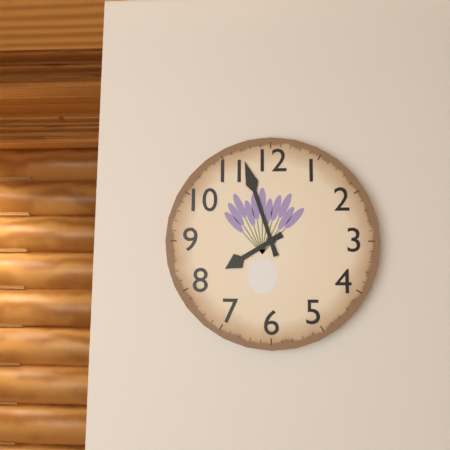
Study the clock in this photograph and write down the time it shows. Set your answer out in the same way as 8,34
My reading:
7,57
